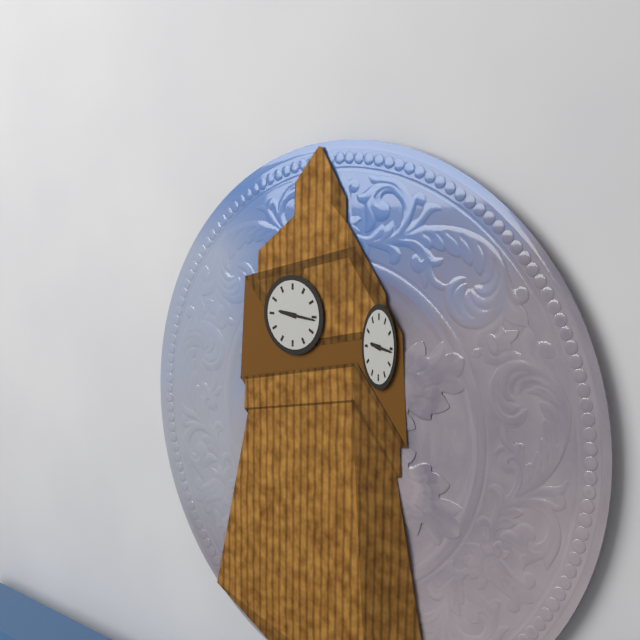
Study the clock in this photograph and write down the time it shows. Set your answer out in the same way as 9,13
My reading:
9,16
